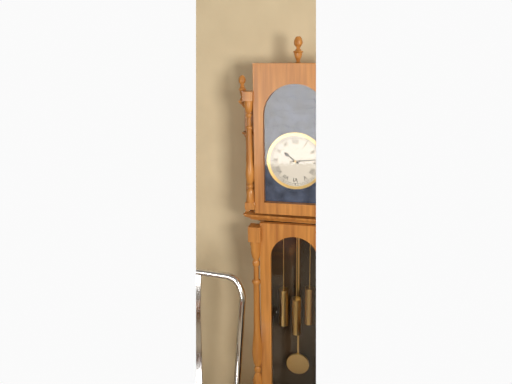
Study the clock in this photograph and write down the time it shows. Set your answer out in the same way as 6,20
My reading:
10,14
